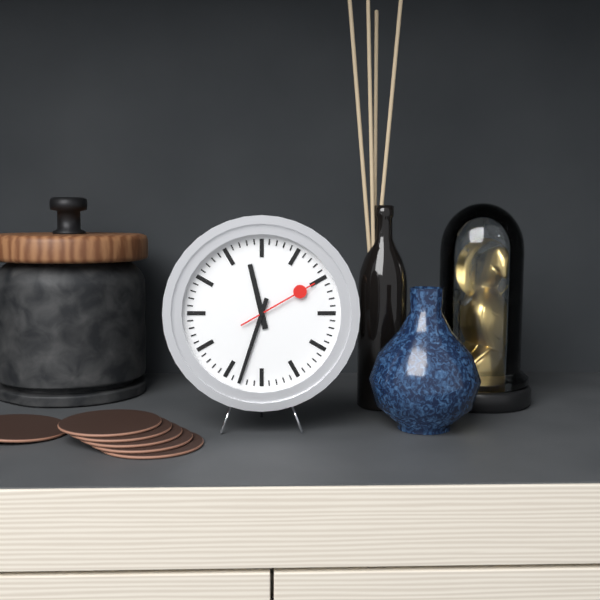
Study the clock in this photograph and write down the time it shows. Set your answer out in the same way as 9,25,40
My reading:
11,33,10
